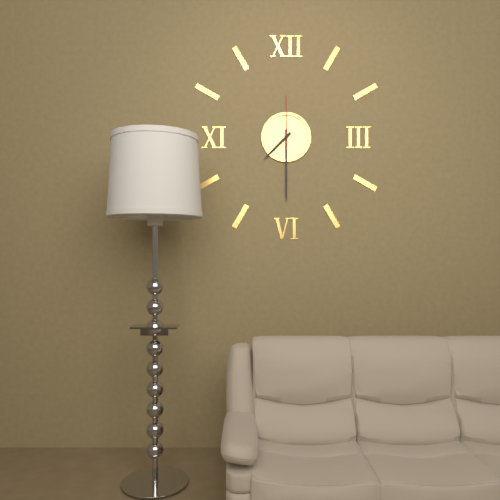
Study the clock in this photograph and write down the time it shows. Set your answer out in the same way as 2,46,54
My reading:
7,30,00
